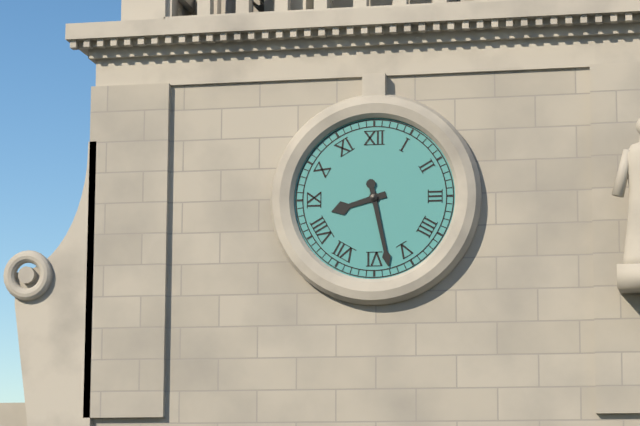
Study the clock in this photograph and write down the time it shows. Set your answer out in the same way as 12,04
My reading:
8,28
